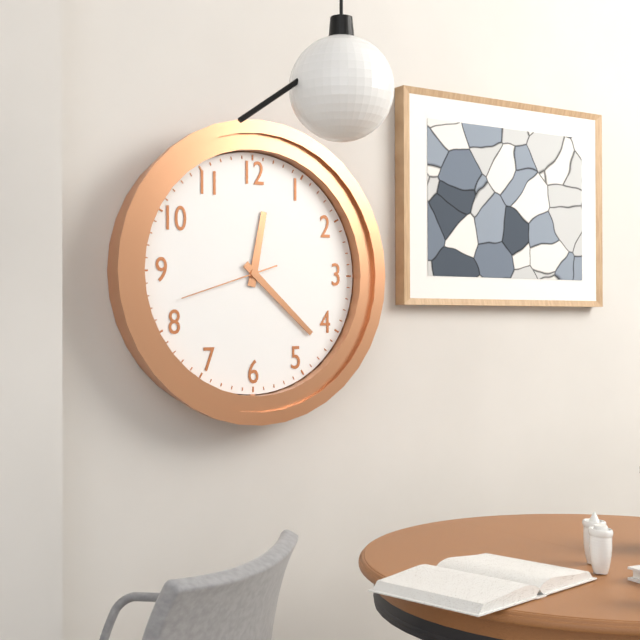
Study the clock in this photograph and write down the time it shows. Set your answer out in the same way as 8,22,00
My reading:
12,22,42
